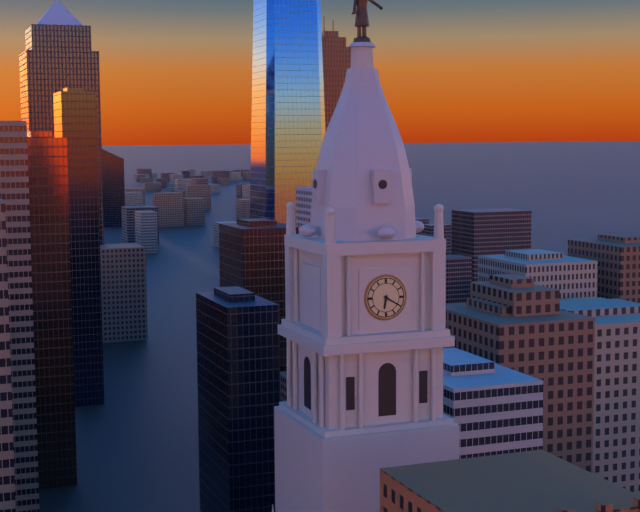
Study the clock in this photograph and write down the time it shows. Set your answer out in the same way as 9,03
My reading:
6,20
